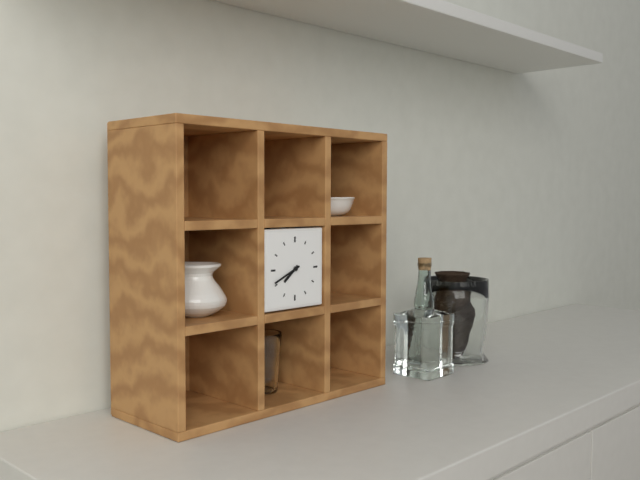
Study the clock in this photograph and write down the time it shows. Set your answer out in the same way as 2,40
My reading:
7,41
